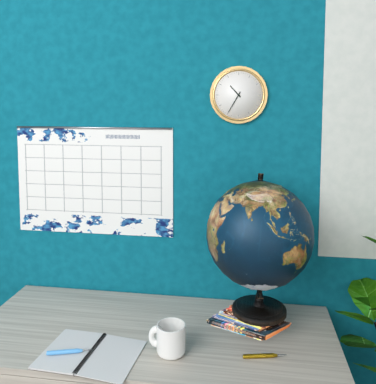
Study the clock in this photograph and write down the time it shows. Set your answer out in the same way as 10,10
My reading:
10,35
